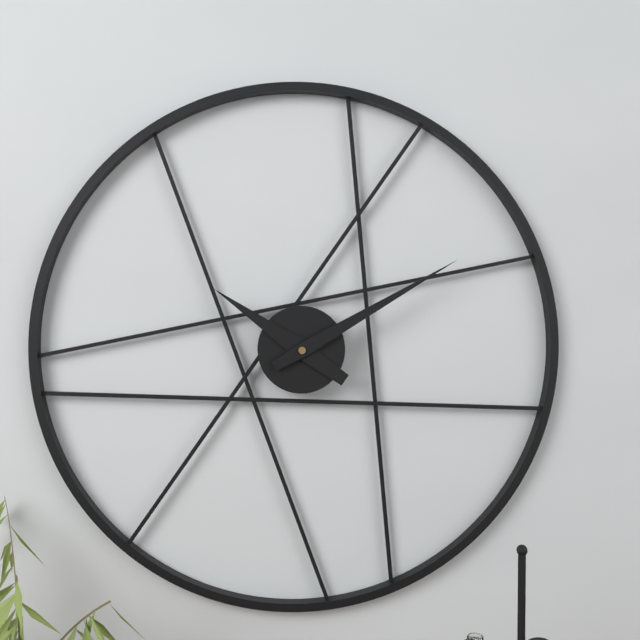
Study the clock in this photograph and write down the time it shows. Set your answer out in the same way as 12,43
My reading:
10,10
